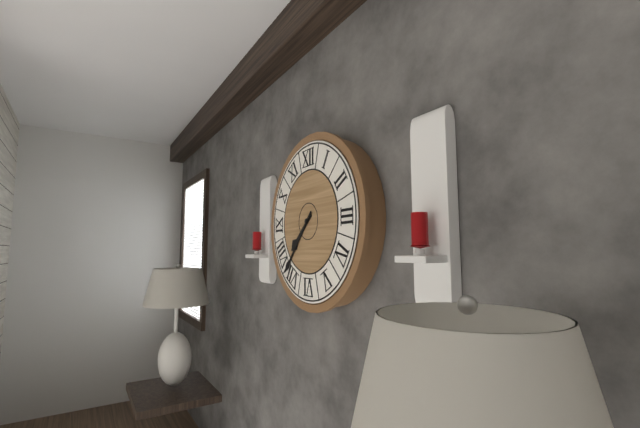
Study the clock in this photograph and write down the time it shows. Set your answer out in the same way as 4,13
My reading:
7,37
